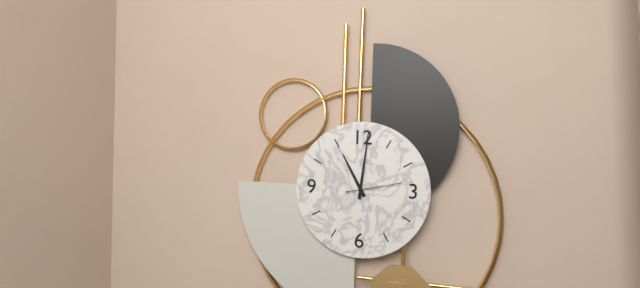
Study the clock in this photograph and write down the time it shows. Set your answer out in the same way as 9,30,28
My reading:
11,01,13
